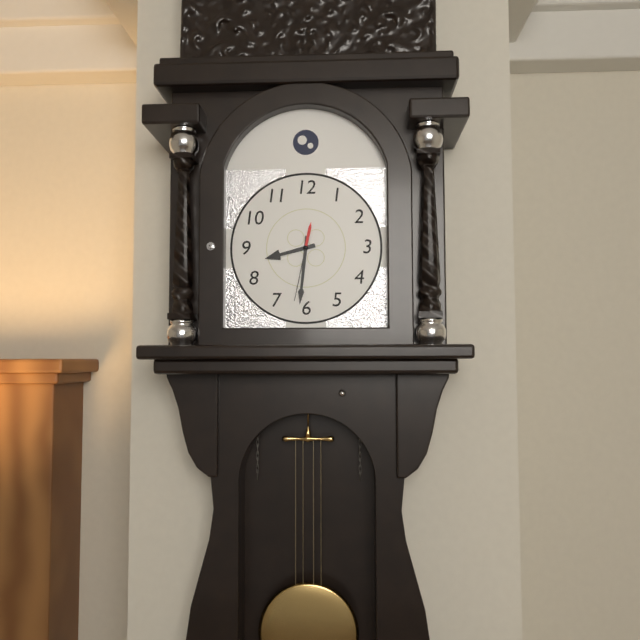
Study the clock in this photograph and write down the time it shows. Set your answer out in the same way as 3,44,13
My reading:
8,31,32
